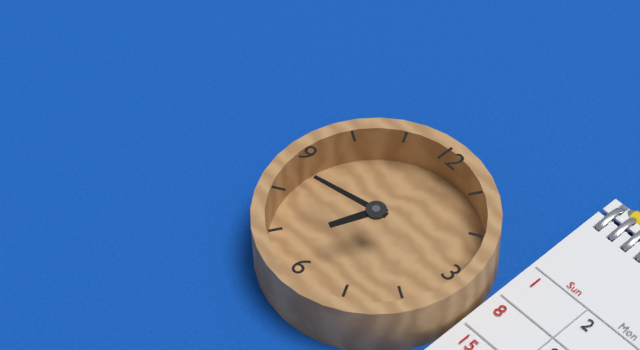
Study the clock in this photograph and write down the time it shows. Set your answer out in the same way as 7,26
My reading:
6,43
